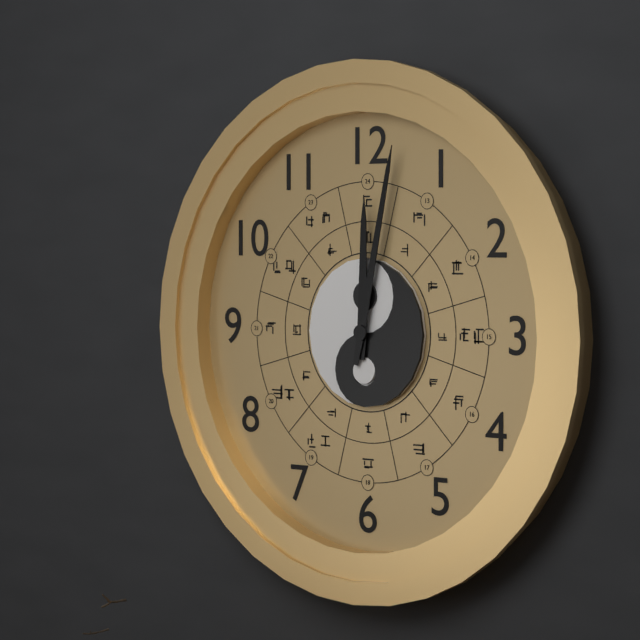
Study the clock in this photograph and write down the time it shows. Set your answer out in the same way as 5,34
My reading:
12,02
